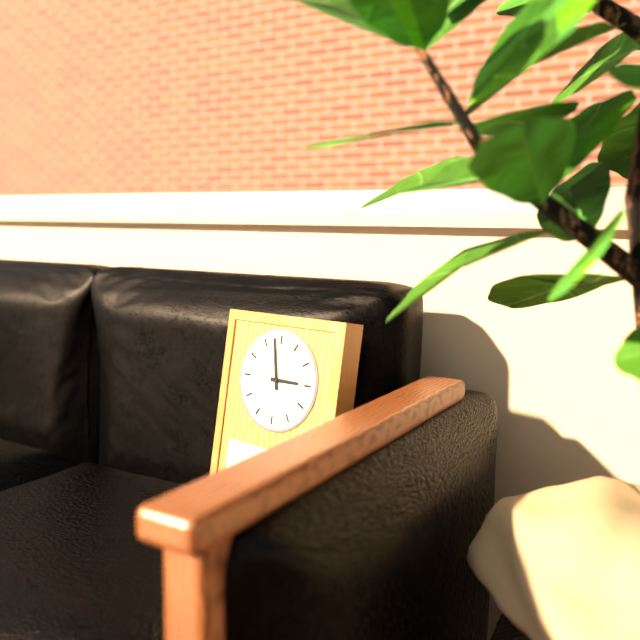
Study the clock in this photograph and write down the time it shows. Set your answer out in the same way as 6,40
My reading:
2,58
